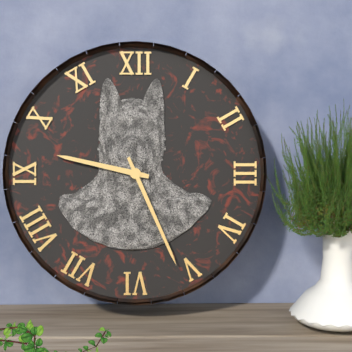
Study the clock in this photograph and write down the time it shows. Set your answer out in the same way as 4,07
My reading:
9,26
